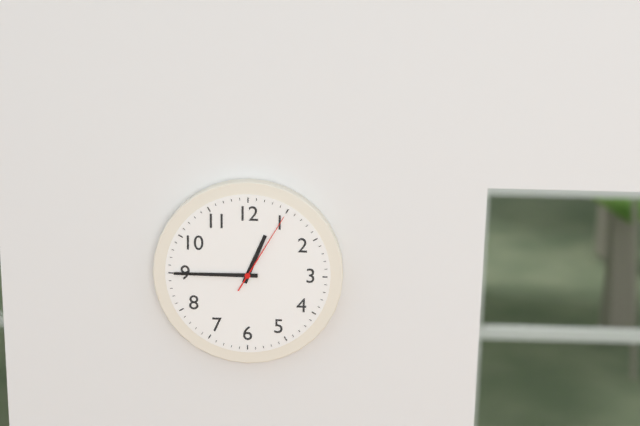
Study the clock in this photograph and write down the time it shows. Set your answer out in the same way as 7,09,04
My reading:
12,45,05
